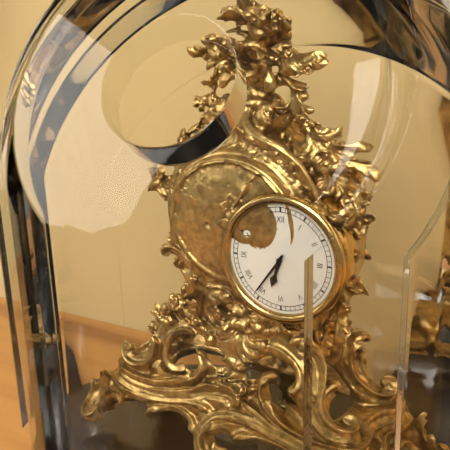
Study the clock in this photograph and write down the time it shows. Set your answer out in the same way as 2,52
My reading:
6,36
